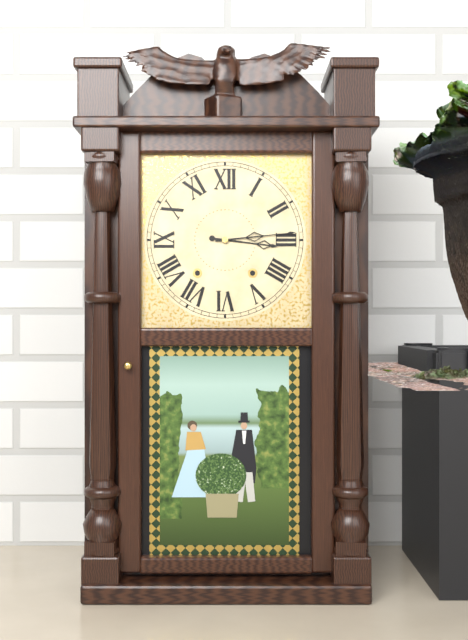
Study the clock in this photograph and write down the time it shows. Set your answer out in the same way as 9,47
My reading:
3,14
